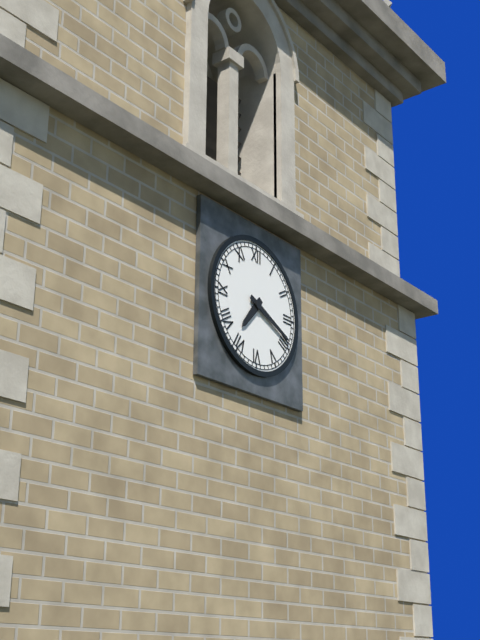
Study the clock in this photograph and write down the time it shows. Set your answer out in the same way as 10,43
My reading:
7,19
